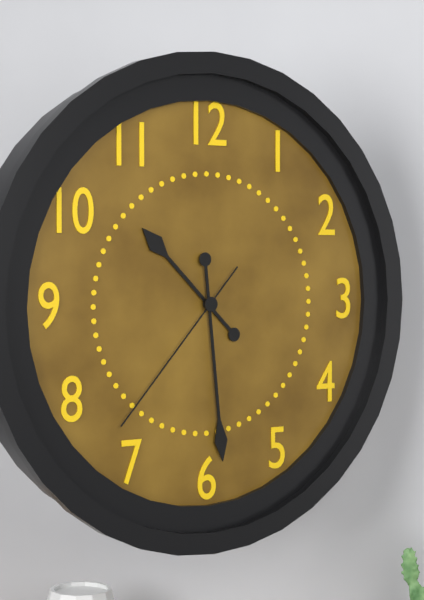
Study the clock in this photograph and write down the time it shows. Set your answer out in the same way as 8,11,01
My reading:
10,29,37
